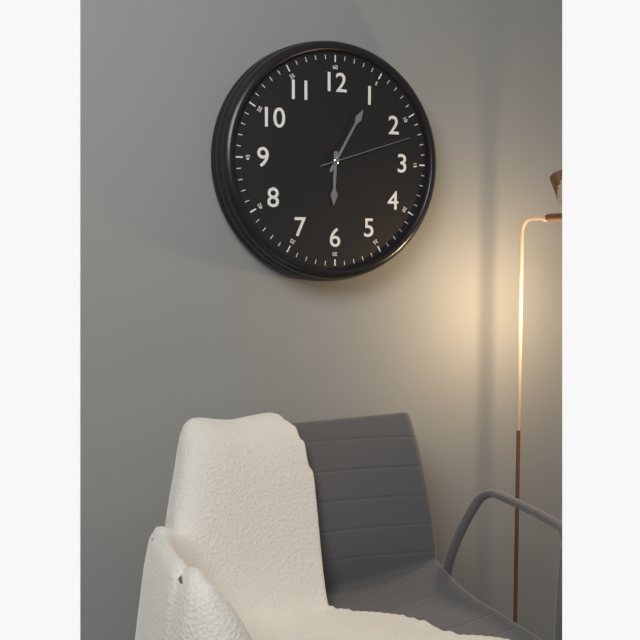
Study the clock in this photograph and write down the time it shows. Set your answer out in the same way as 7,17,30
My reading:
6,05,12
